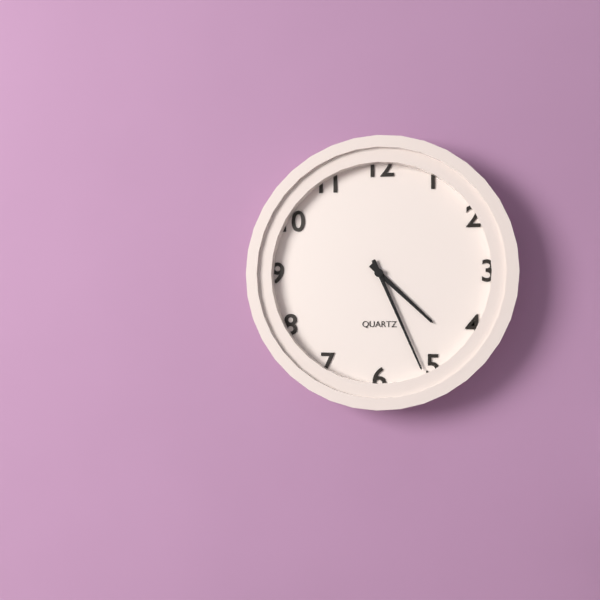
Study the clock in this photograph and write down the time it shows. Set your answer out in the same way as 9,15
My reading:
4,26
